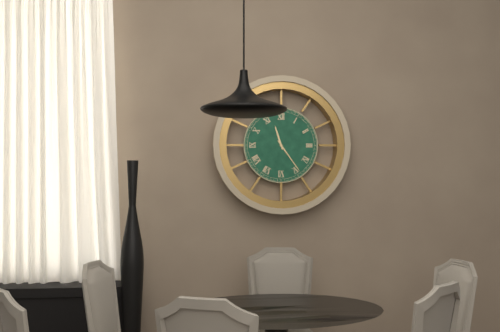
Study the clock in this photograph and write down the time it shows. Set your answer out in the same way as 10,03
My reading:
11,24
